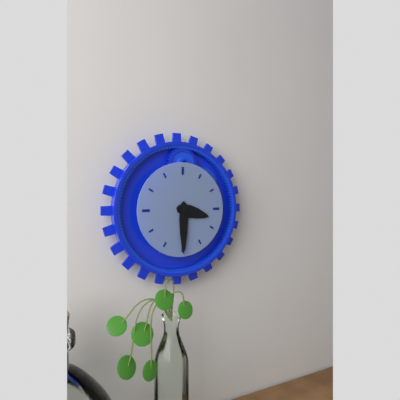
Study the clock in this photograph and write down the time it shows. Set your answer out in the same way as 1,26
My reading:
3,30
